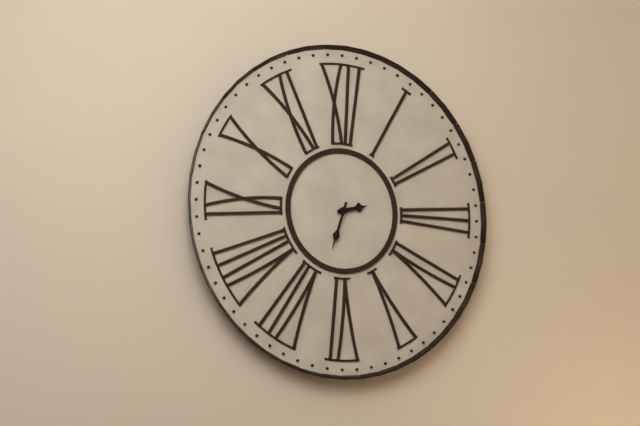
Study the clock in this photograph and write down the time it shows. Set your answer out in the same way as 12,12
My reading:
2,33
